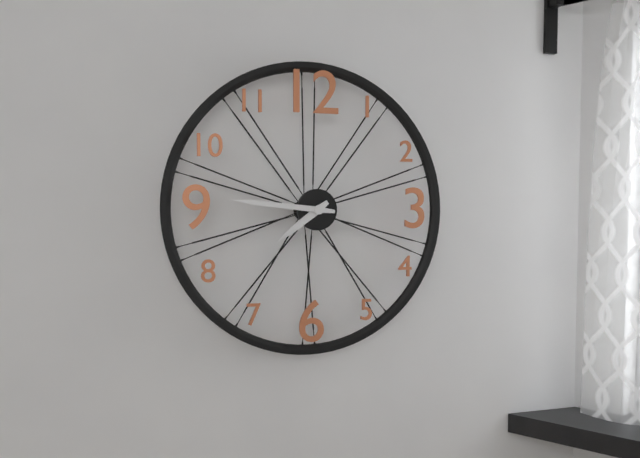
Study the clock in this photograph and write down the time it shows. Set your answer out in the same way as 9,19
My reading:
7,46
